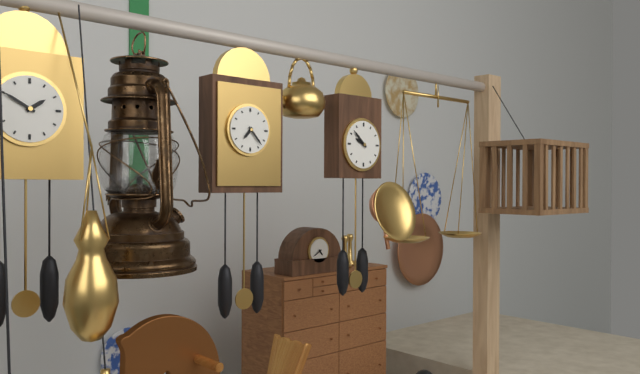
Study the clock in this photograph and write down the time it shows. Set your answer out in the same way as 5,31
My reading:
9,52
